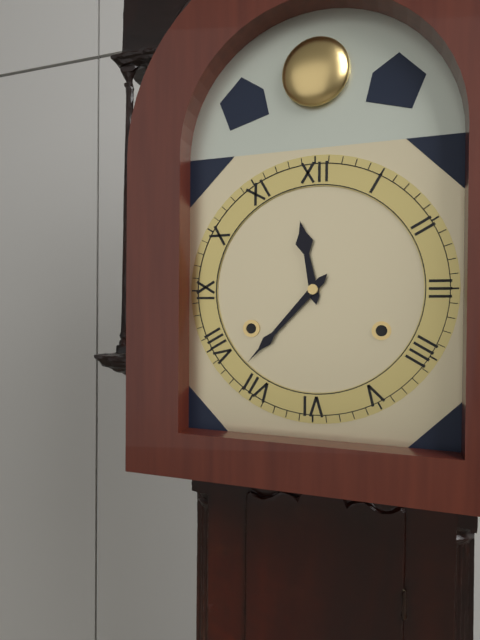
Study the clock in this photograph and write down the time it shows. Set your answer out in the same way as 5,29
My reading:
11,37
